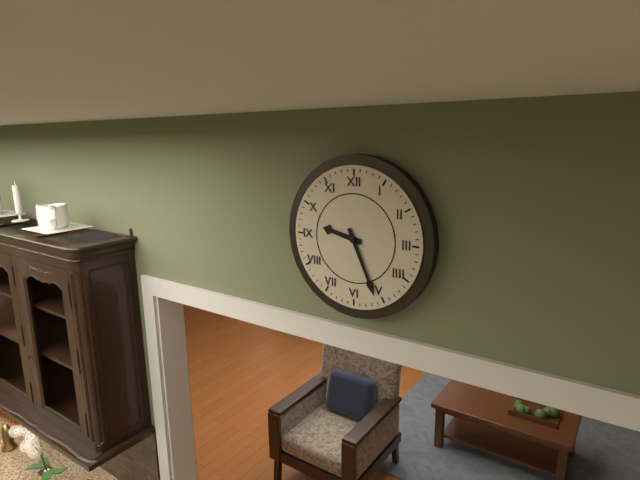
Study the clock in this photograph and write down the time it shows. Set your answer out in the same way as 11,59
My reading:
9,26
